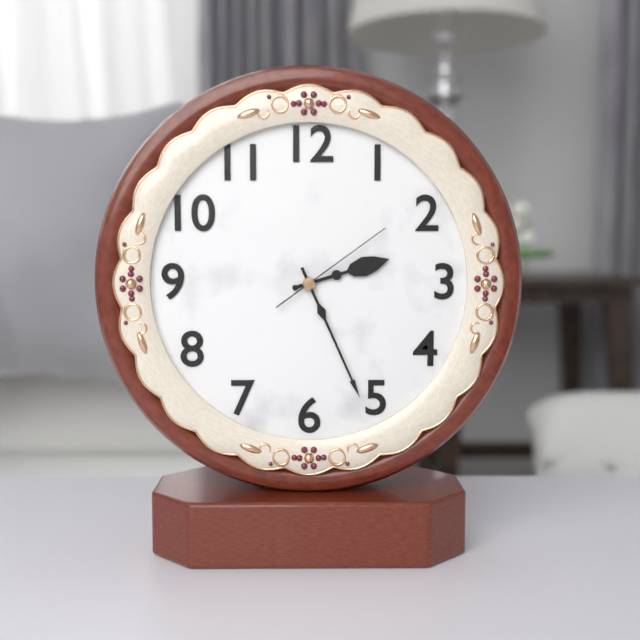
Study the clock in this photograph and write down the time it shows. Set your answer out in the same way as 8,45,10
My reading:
2,26,09
